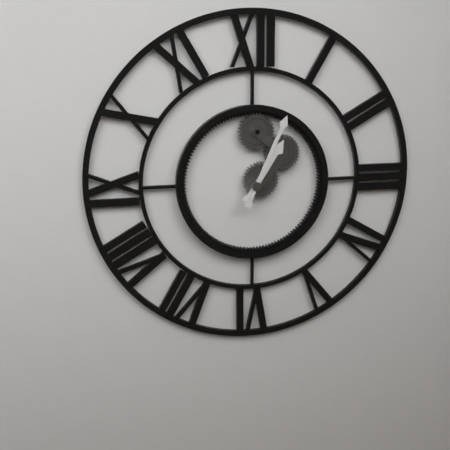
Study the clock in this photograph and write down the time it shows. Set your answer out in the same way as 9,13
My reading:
1,04
